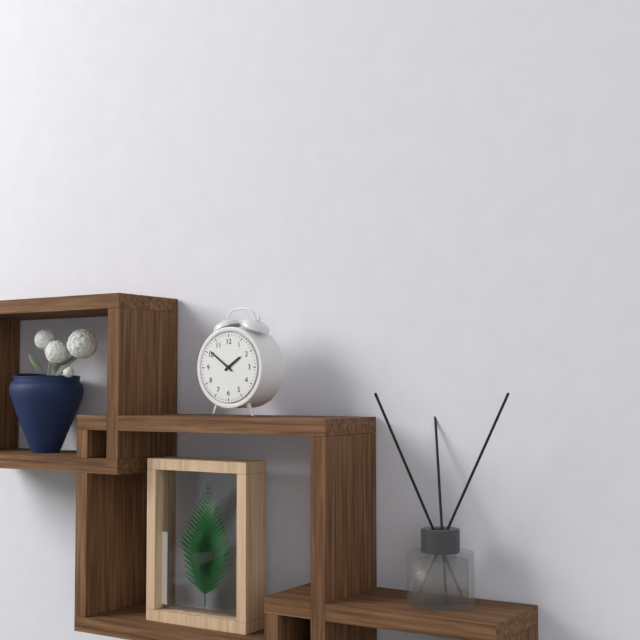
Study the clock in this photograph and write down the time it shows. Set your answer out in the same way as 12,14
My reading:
1,51
